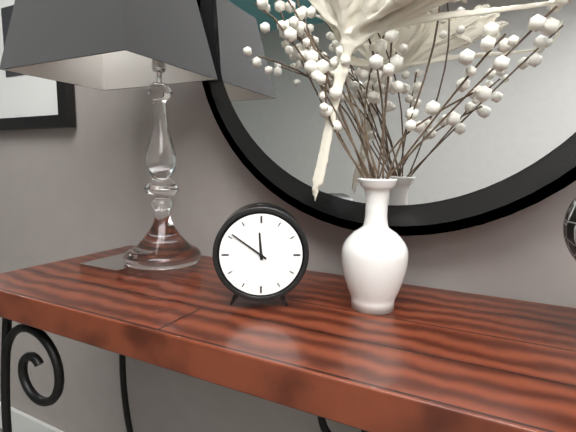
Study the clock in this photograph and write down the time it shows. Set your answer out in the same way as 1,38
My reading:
11,51
